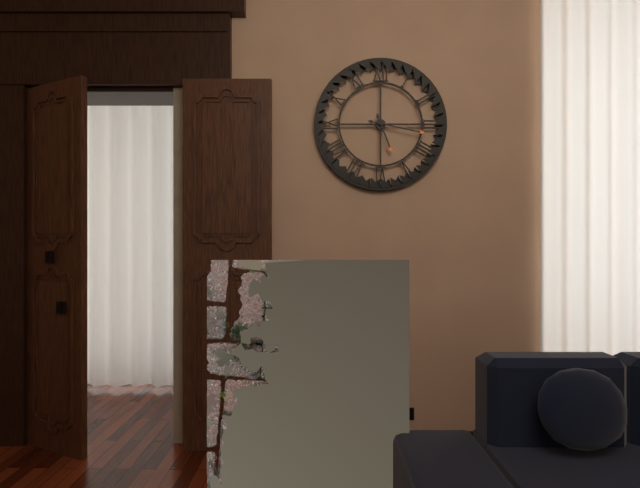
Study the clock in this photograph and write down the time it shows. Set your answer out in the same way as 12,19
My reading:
5,17
